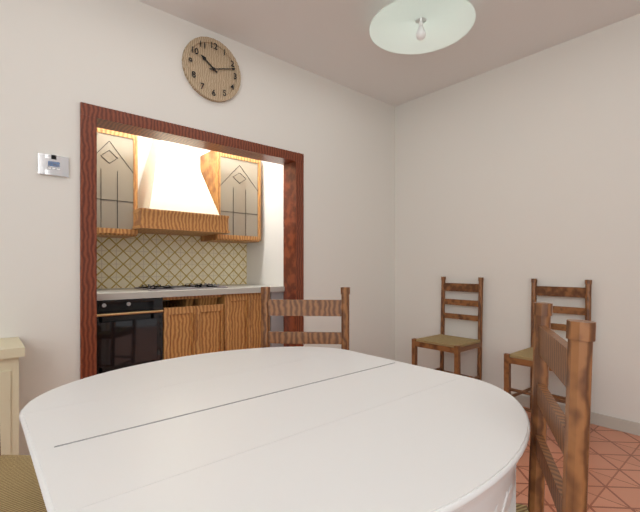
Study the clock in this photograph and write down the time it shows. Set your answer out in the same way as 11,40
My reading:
10,12
